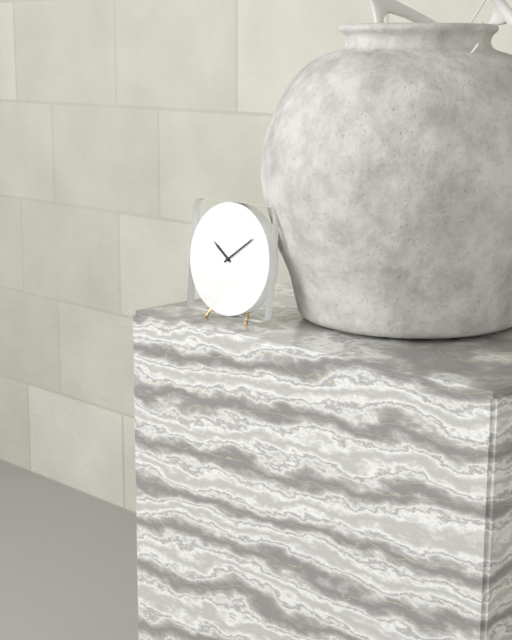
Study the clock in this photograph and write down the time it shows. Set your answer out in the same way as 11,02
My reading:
10,09
